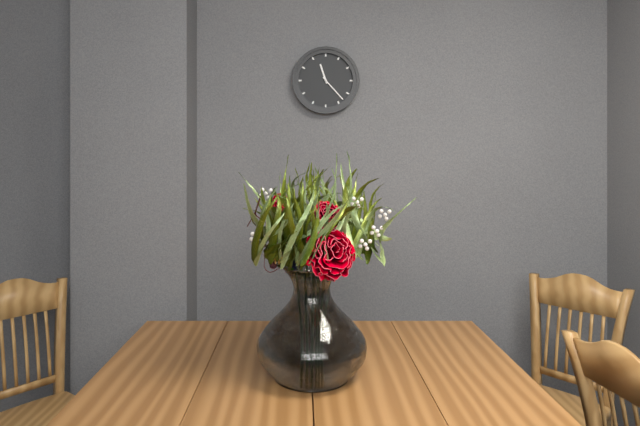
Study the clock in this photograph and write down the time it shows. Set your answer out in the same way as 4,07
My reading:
11,23
